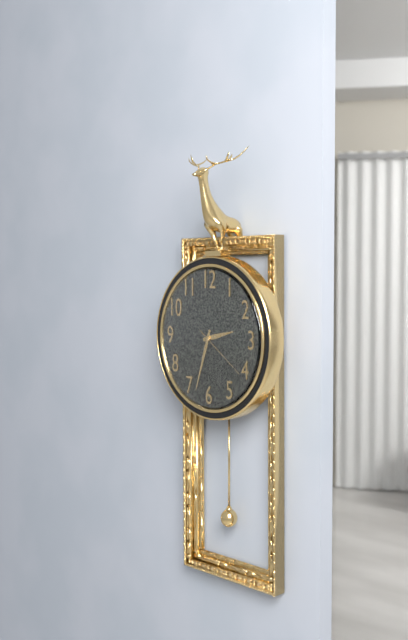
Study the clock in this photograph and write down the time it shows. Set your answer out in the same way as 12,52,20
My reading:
2,33,21
